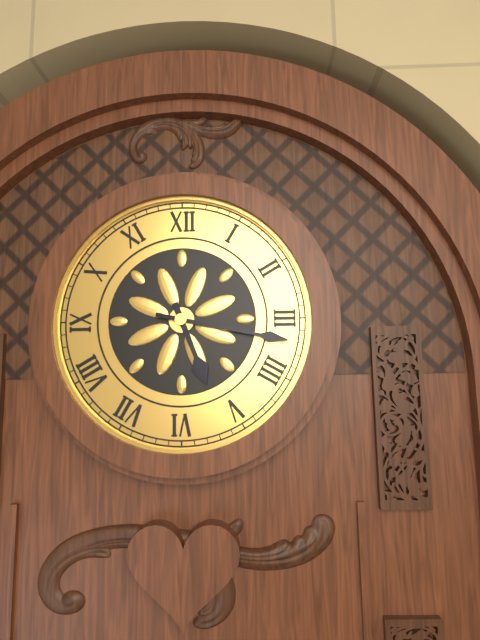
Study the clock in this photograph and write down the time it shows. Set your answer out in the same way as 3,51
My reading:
5,17
